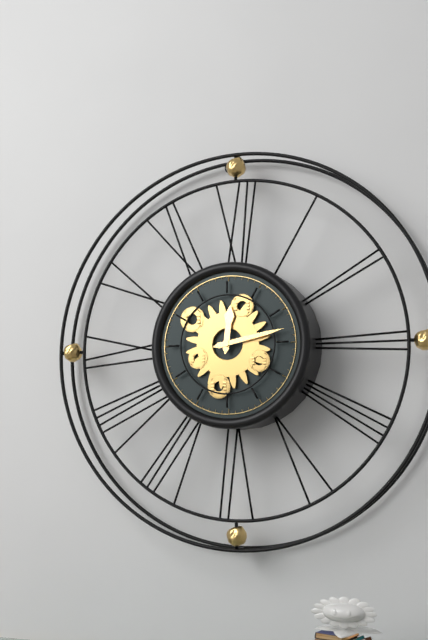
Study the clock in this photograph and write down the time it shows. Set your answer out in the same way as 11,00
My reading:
12,13
